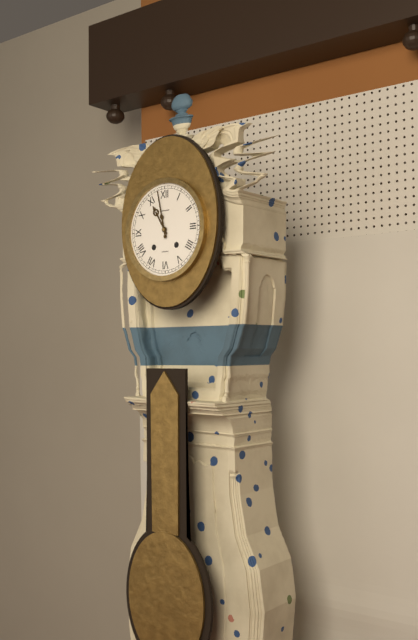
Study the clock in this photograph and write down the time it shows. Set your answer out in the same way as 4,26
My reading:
10,58
